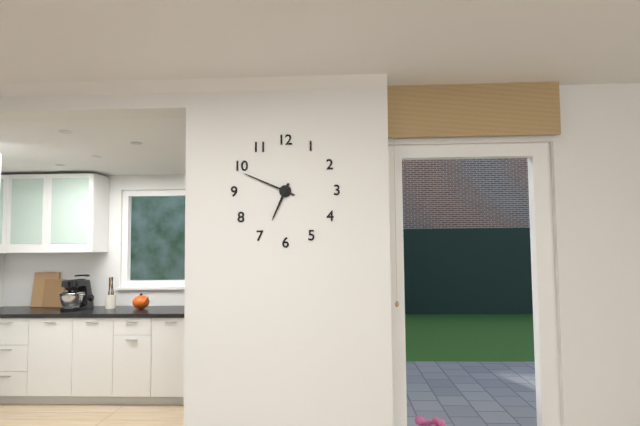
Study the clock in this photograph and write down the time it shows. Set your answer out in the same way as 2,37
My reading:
6,49
